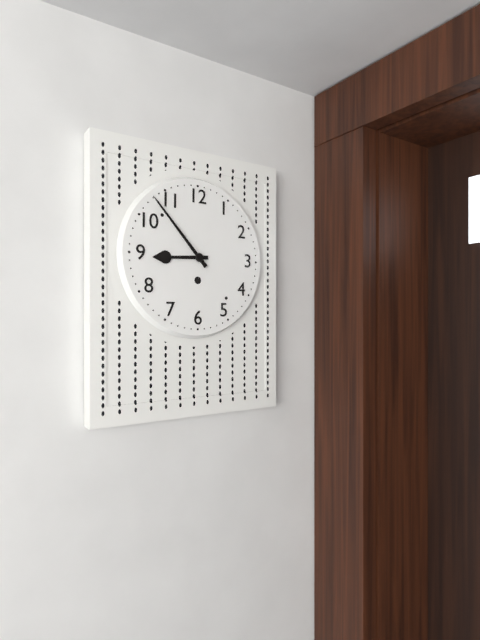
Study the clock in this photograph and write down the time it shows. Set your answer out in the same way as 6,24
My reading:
8,53
